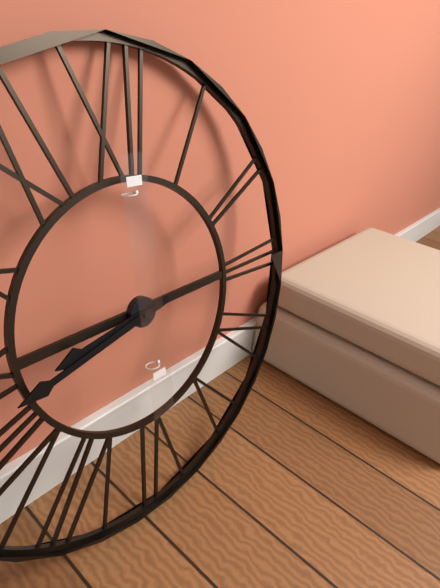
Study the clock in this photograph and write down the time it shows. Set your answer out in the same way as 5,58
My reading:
8,43
